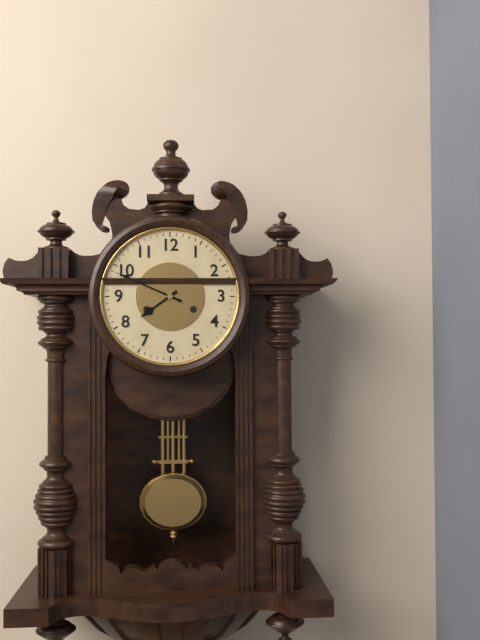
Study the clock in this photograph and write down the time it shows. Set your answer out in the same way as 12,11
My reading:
7,49
